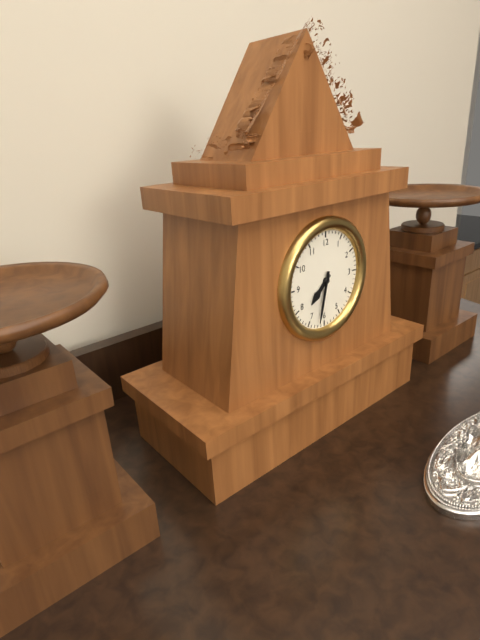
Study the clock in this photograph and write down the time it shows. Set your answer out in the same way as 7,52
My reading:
7,32
